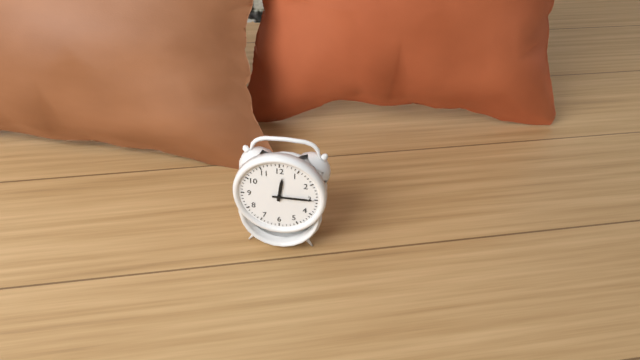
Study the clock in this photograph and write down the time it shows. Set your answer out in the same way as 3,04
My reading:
12,15
